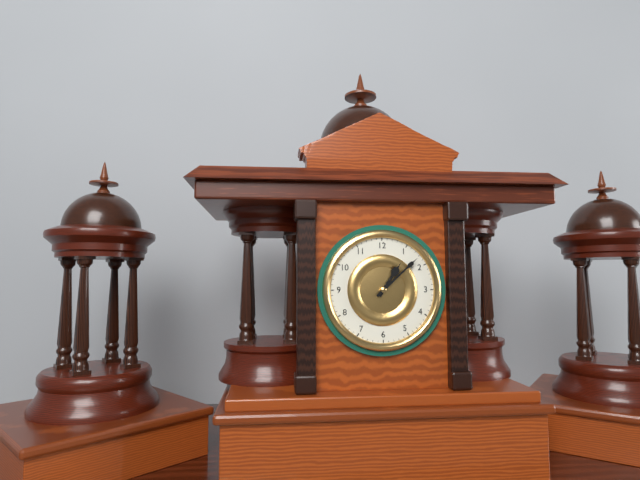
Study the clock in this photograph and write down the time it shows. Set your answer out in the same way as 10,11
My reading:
1,08
